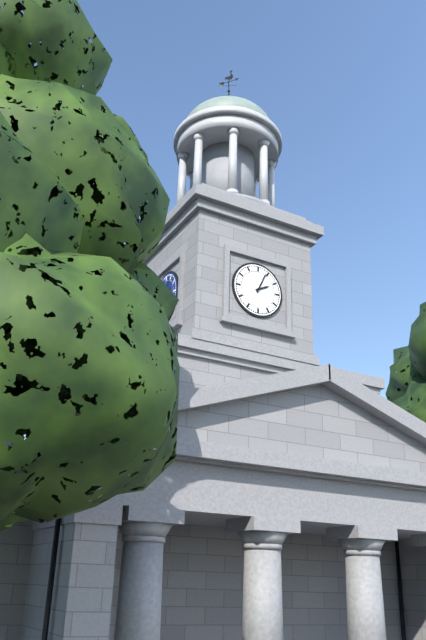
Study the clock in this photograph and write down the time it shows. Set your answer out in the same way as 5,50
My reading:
2,04
